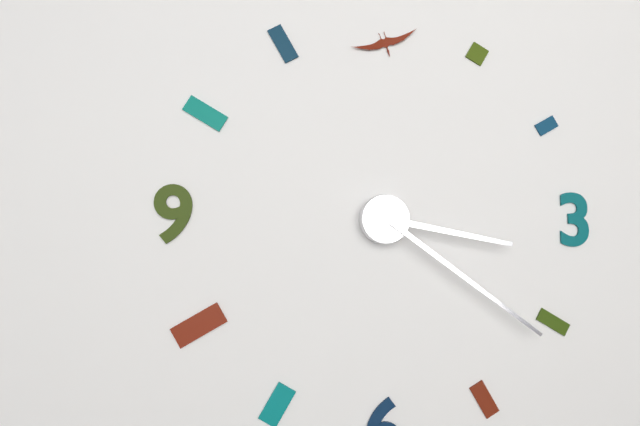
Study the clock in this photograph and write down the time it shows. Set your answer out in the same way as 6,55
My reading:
3,21
